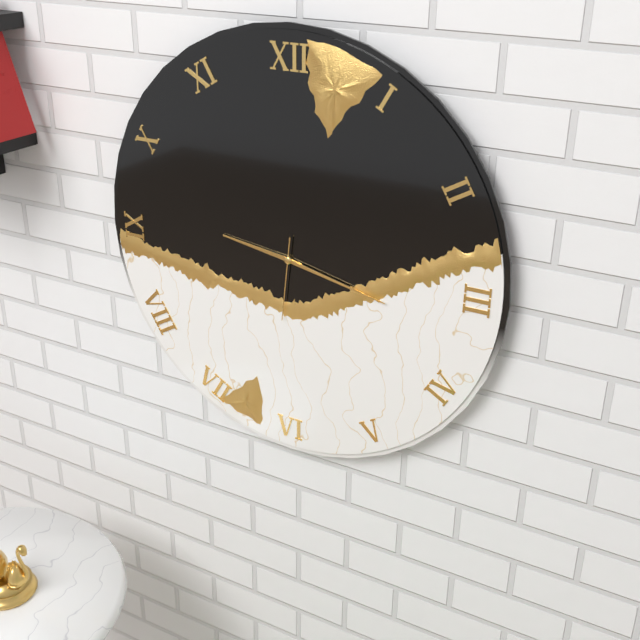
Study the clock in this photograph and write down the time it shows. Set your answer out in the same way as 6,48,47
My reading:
9,17,31
